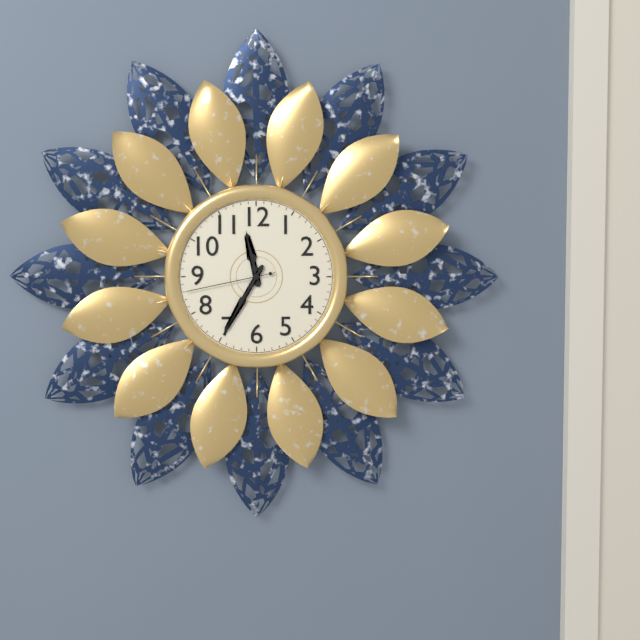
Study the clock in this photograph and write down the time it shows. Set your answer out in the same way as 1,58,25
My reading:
11,35,43
